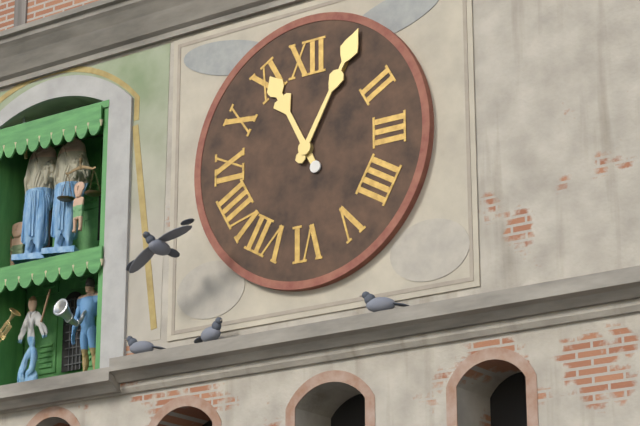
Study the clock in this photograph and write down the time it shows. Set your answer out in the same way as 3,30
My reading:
11,05
